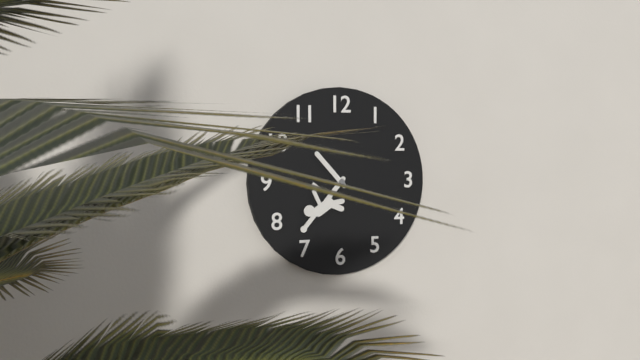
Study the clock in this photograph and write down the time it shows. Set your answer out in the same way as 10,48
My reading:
10,36
